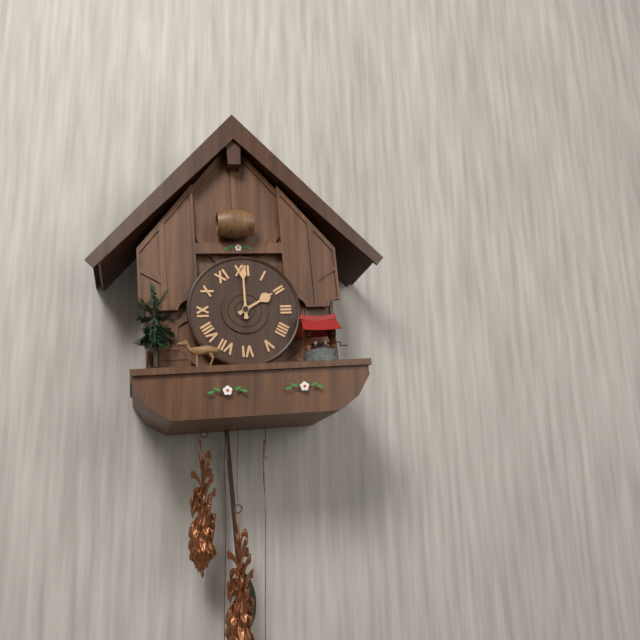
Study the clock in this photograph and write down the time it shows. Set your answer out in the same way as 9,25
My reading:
2,00
